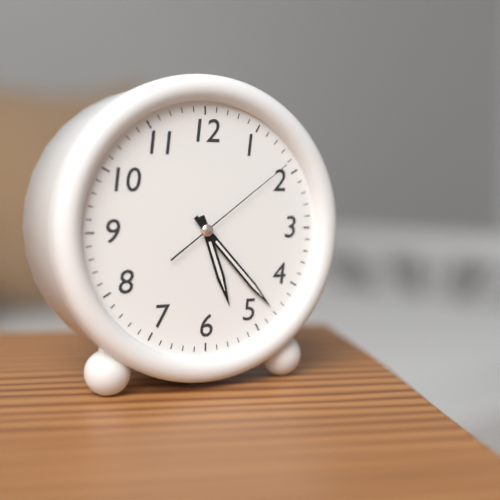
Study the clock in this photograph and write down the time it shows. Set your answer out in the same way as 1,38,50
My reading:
5,23,09
